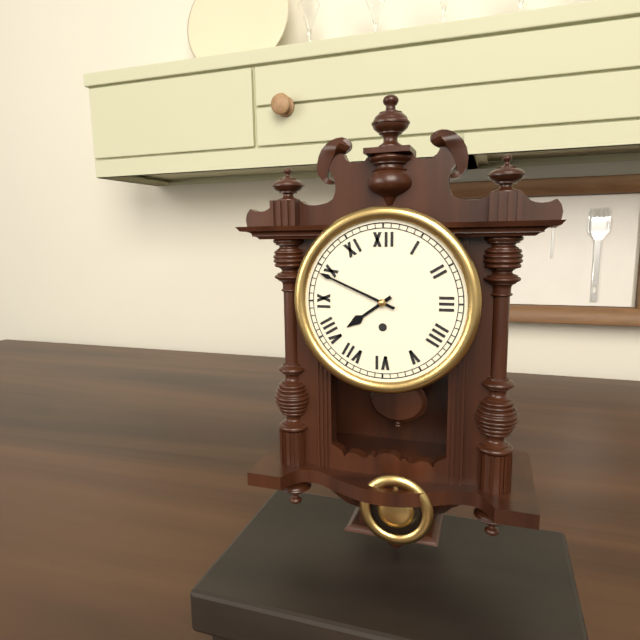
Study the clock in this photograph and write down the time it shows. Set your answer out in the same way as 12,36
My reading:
7,49
